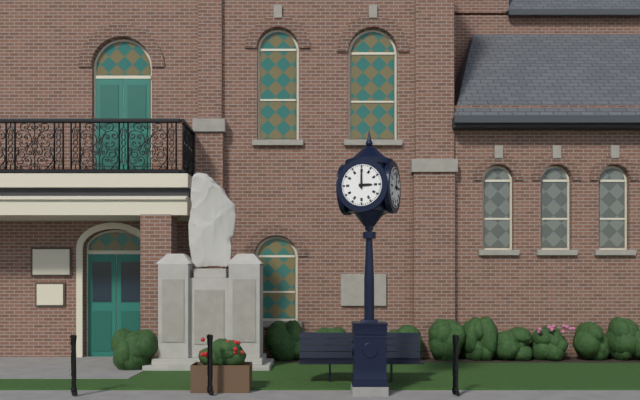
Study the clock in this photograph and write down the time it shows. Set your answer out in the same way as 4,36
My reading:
3,00
